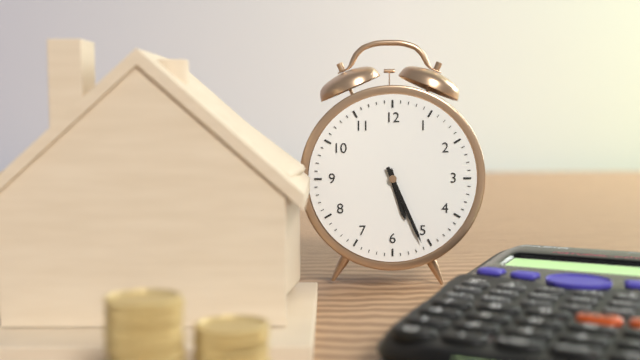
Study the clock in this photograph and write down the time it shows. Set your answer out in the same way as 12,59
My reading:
5,26
